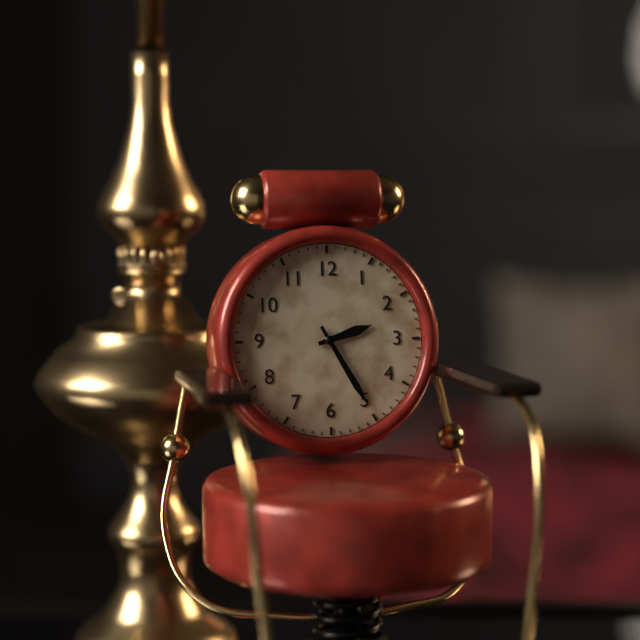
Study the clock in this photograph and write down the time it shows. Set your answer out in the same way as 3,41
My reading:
2,25
